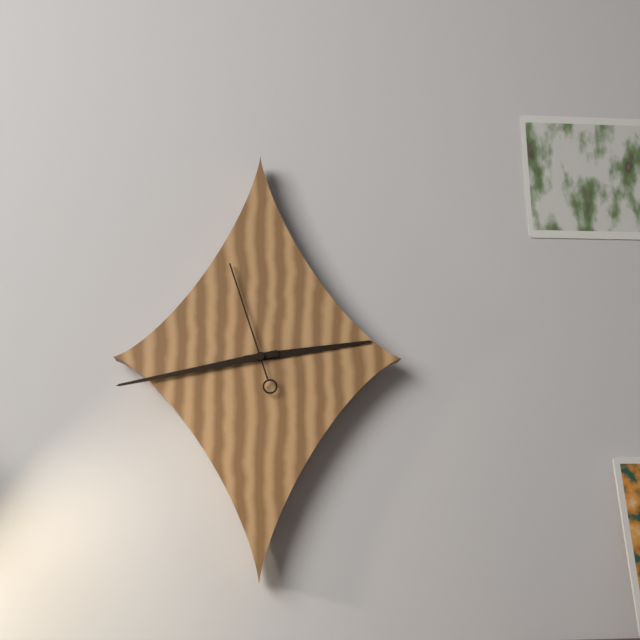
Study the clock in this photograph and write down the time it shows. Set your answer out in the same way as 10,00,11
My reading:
2,43,57
